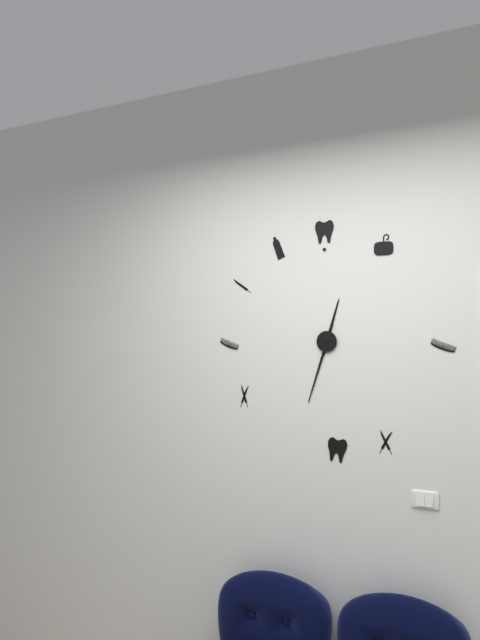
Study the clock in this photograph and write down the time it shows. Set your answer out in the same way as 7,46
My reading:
12,33
